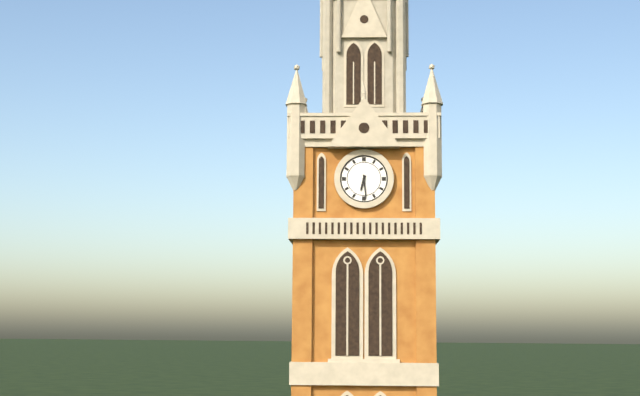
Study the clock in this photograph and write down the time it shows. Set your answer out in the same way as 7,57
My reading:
6,29
